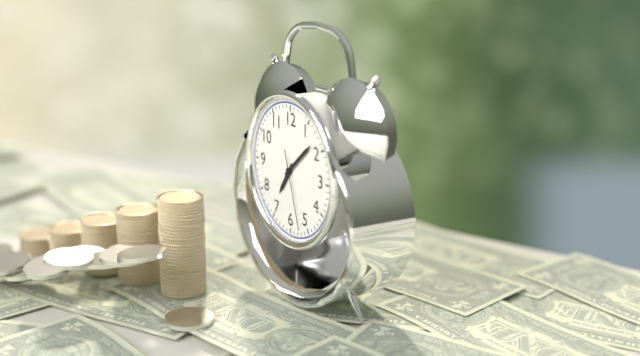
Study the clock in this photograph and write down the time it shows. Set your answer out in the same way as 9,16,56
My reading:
7,08,27
